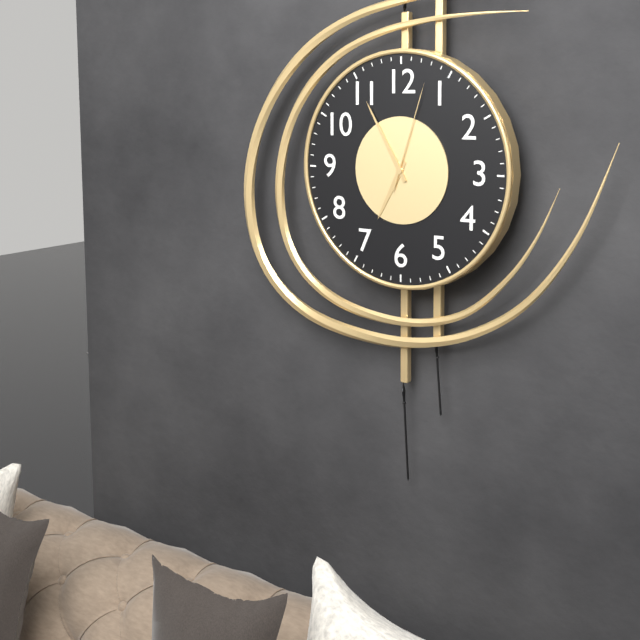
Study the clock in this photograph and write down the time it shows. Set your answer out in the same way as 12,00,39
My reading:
6,55,03
